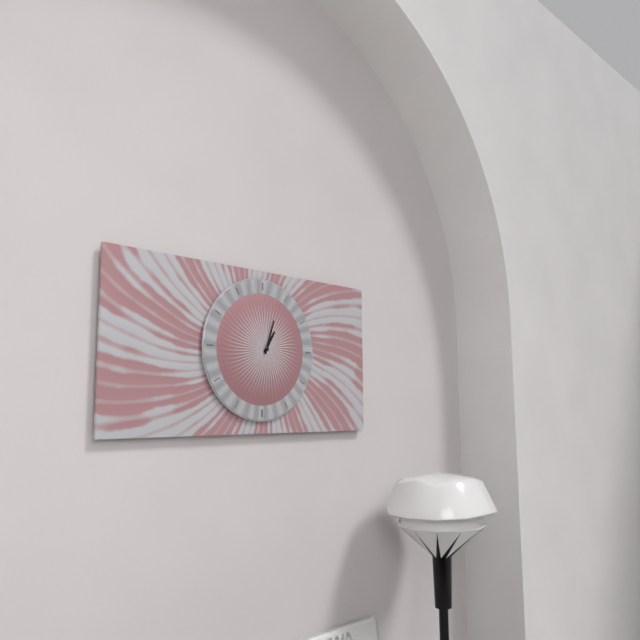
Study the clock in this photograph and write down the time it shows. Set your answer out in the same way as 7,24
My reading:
1,03
